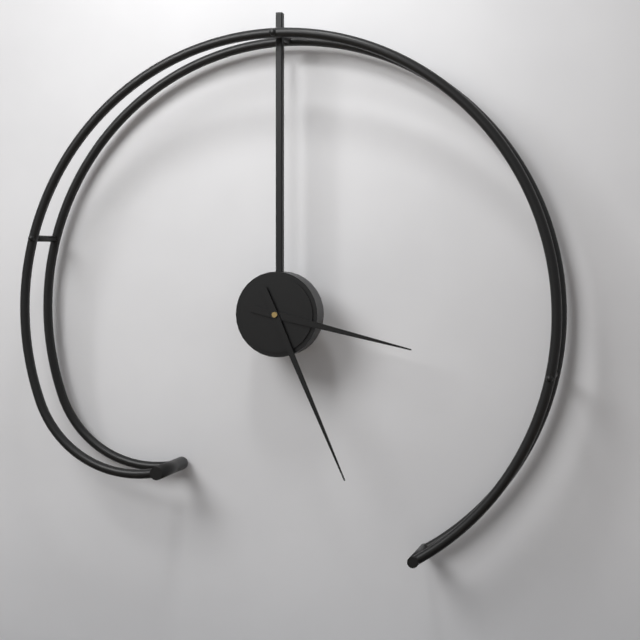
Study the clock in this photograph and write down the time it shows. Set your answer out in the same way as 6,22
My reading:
3,26
